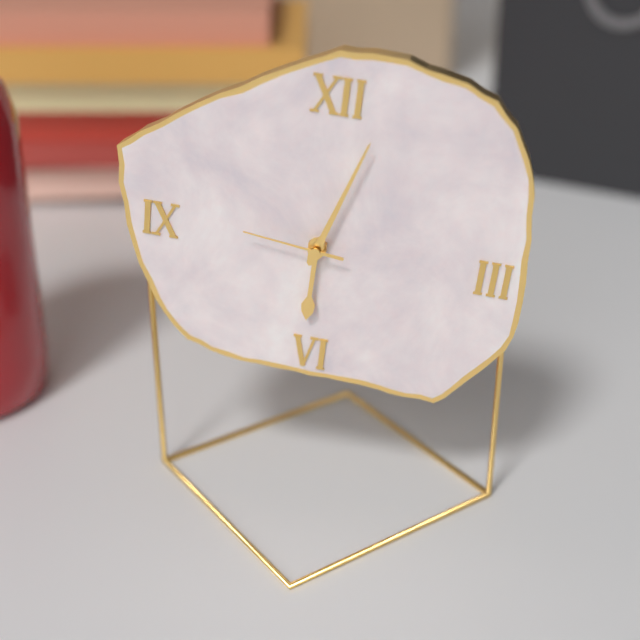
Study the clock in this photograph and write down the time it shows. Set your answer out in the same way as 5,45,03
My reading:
6,03,46
